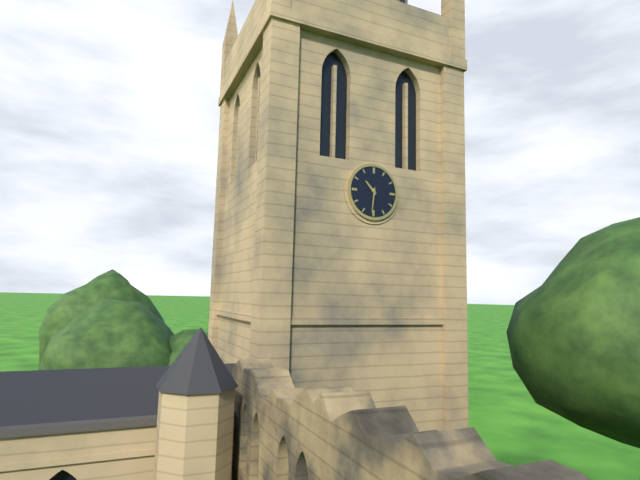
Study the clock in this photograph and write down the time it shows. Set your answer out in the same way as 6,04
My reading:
10,31
